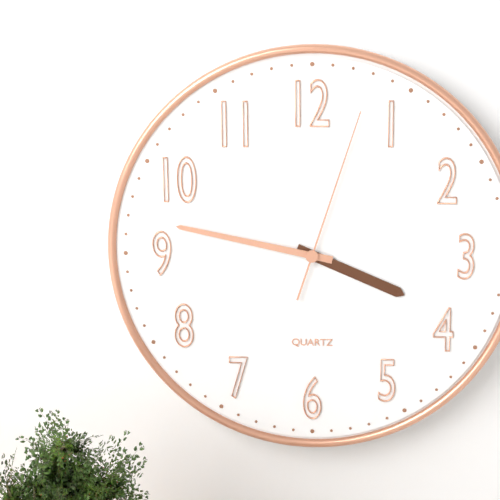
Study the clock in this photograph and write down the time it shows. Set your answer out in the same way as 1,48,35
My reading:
3,47,03
